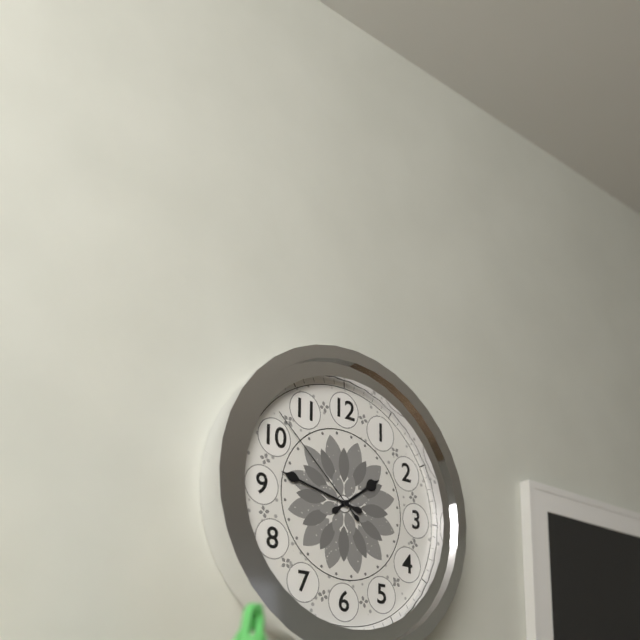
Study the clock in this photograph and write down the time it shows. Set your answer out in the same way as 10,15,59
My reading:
1,47,52
